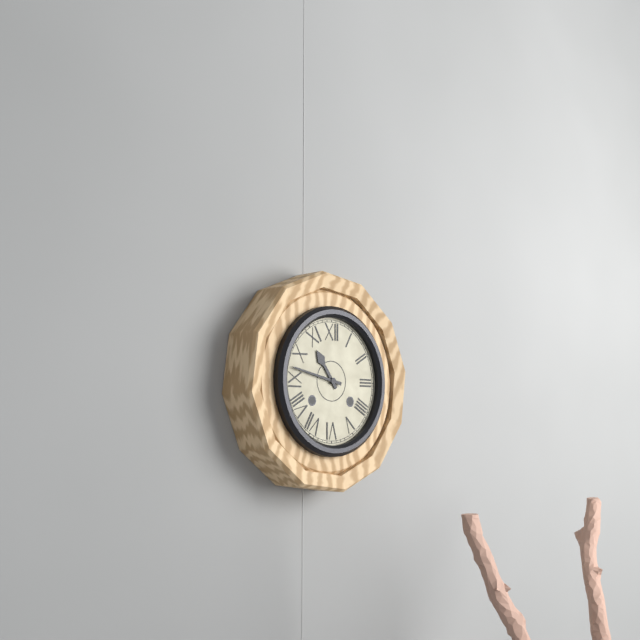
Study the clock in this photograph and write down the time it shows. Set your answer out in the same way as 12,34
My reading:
10,47
